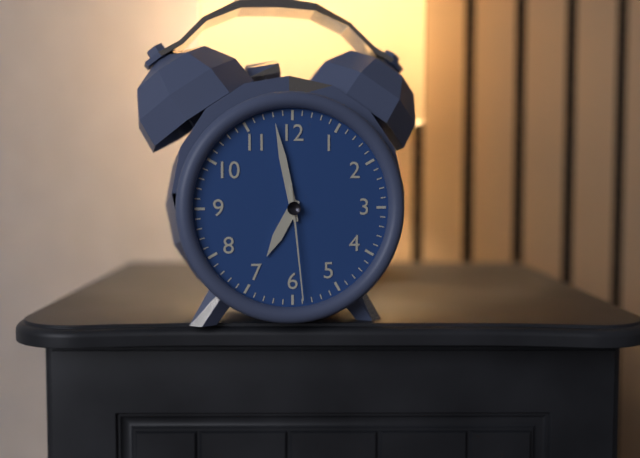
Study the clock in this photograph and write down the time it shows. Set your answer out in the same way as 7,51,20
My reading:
6,58,29
